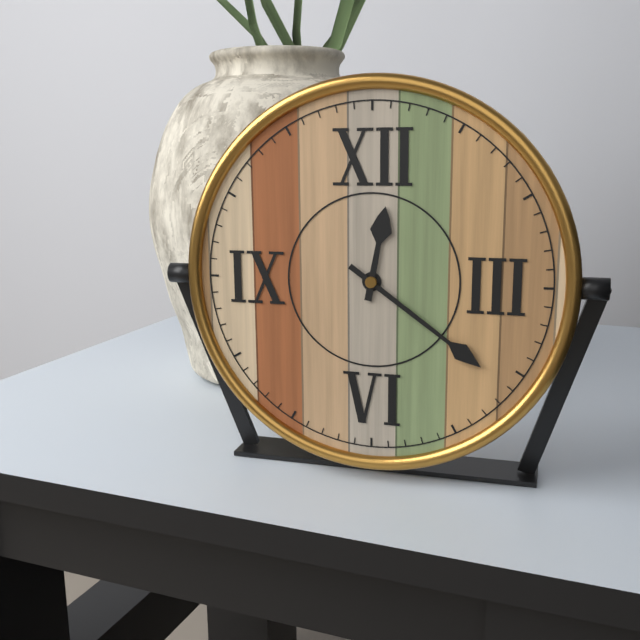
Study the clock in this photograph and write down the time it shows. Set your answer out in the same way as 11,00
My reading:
12,21
